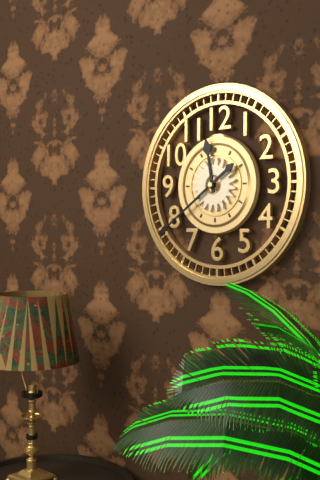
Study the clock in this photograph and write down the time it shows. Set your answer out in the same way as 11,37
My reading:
11,39
